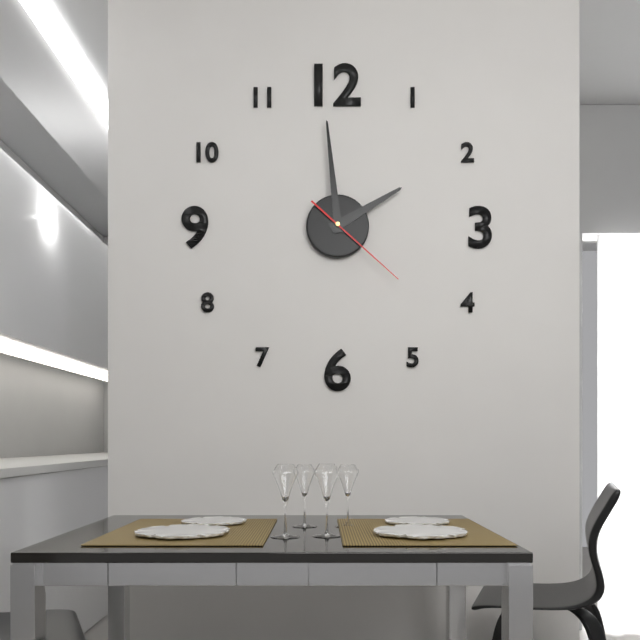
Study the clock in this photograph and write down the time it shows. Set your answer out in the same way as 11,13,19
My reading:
1,59,22
